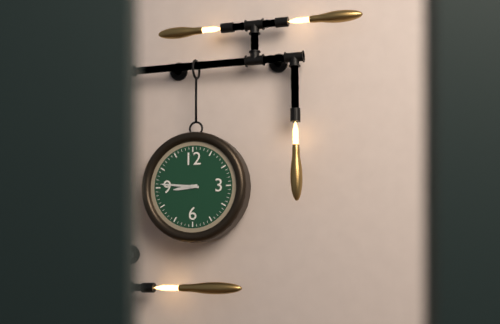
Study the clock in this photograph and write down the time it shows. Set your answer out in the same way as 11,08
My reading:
8,46
